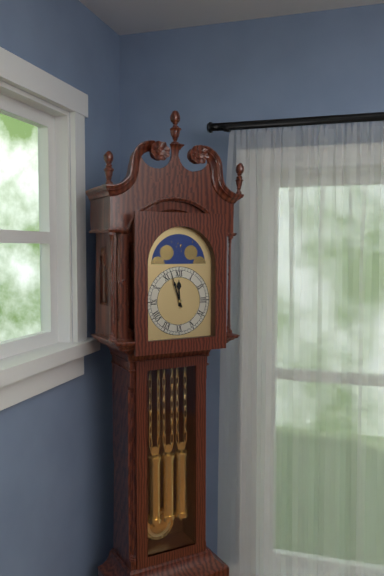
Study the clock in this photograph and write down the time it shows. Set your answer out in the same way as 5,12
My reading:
11,57
